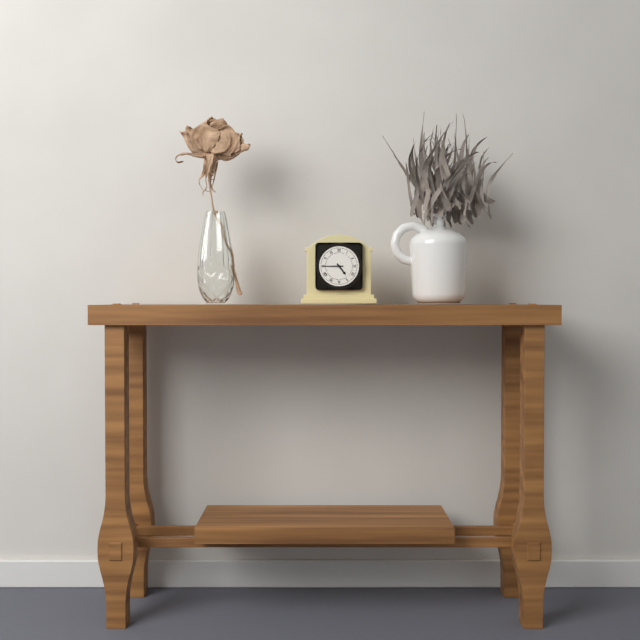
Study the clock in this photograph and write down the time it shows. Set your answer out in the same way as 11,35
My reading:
4,45
